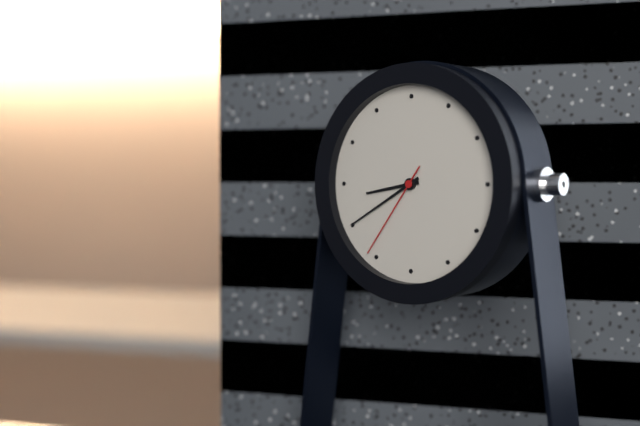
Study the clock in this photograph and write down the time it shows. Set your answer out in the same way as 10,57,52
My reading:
8,40,36
